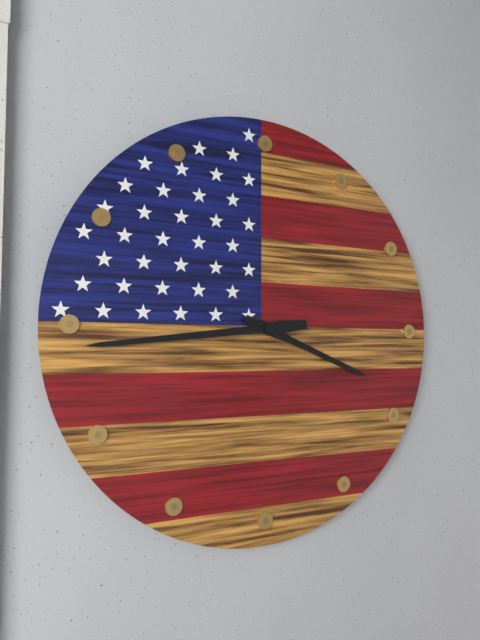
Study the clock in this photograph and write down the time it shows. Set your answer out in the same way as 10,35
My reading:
3,44
